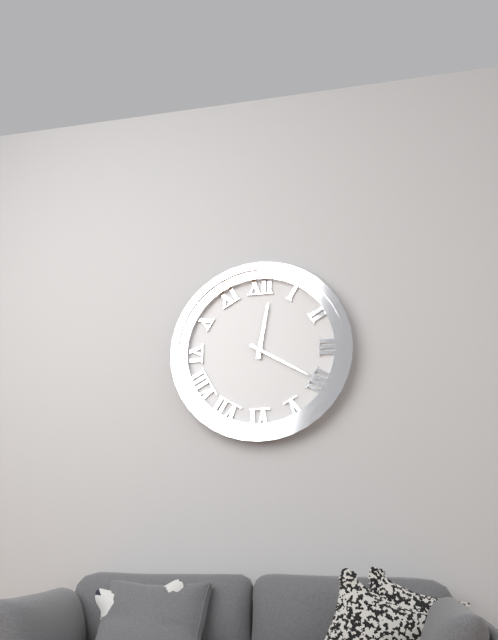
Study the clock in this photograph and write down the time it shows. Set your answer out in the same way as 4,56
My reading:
12,20
